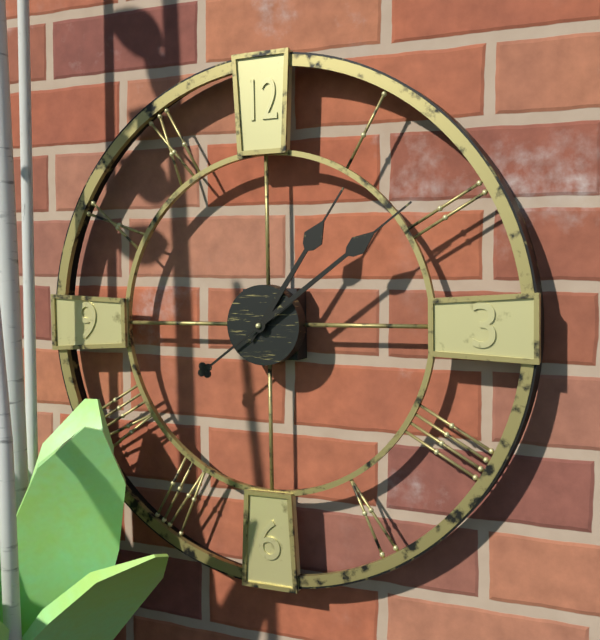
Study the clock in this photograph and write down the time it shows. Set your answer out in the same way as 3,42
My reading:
1,09
